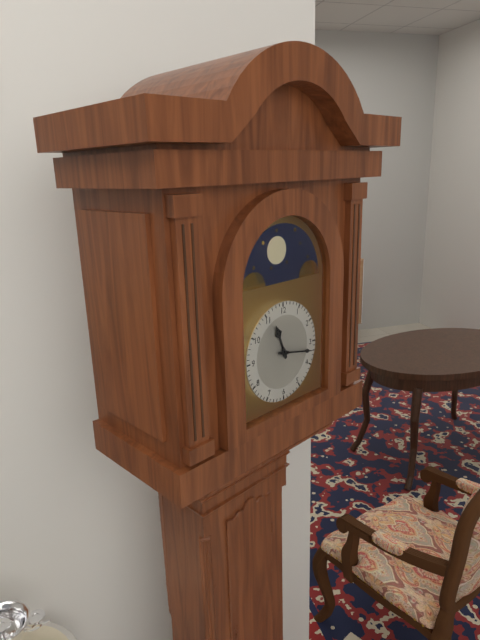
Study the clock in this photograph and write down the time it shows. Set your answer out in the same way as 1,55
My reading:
11,17
